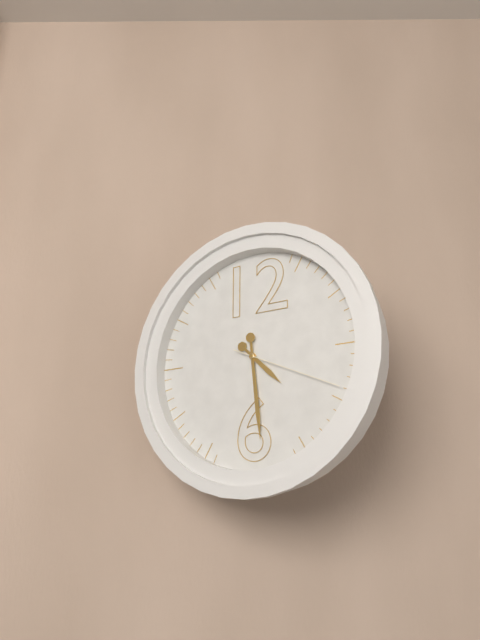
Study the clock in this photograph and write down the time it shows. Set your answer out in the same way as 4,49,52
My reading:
4,29,19
